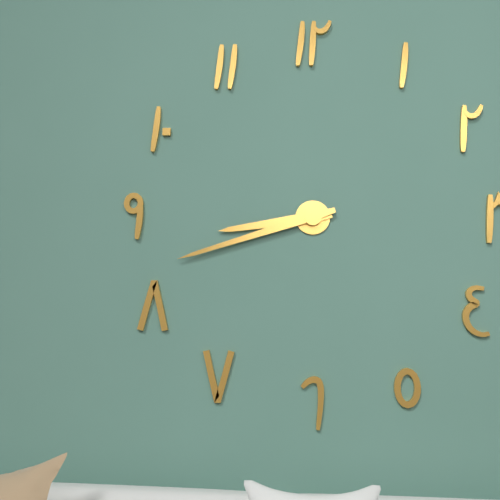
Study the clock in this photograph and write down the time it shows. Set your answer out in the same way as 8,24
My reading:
8,42
